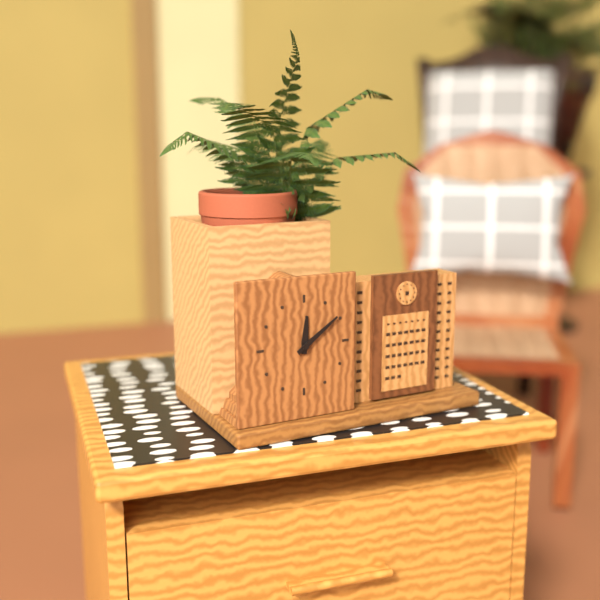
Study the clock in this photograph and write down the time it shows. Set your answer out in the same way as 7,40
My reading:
12,09
